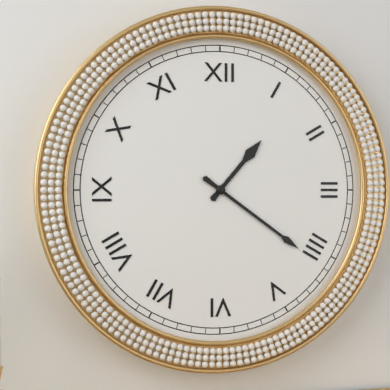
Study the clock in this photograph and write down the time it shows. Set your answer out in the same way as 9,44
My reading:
1,21
